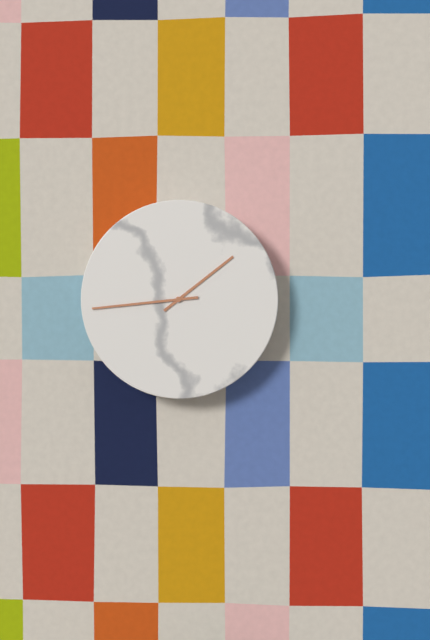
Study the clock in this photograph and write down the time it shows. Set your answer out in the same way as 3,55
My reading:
1,44
